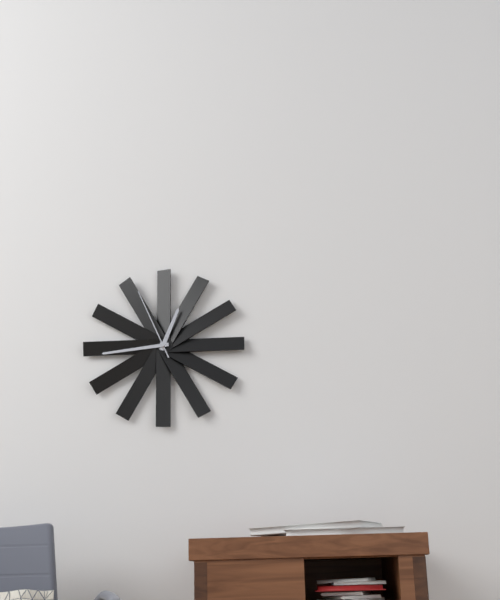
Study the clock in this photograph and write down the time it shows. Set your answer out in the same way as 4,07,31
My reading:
12,44,56
